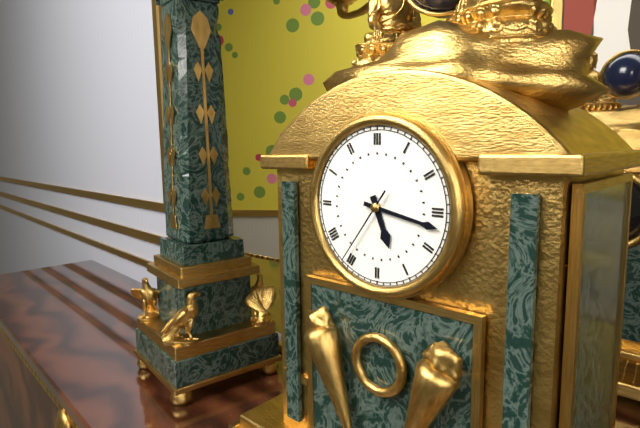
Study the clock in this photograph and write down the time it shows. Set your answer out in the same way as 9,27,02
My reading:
5,17,36
